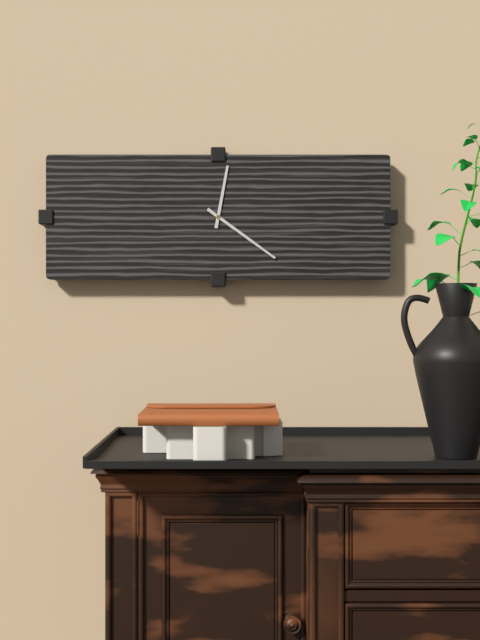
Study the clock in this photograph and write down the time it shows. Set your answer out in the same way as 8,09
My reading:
12,21
